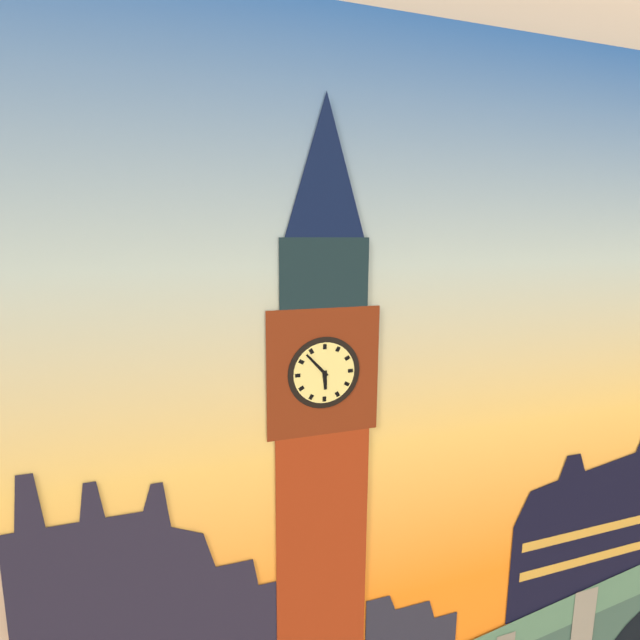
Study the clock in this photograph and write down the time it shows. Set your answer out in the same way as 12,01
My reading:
5,53
